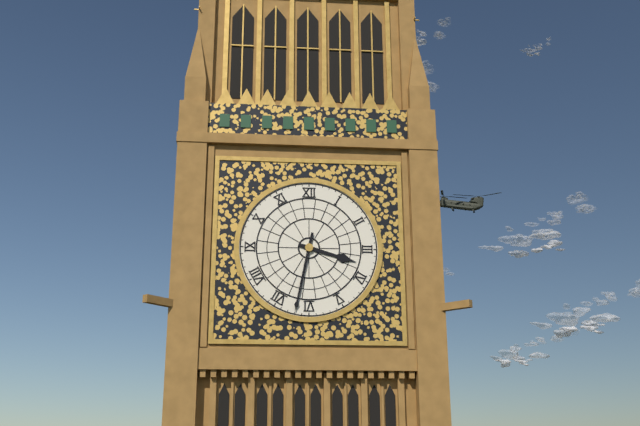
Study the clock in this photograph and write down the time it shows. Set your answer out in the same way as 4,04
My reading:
3,32
